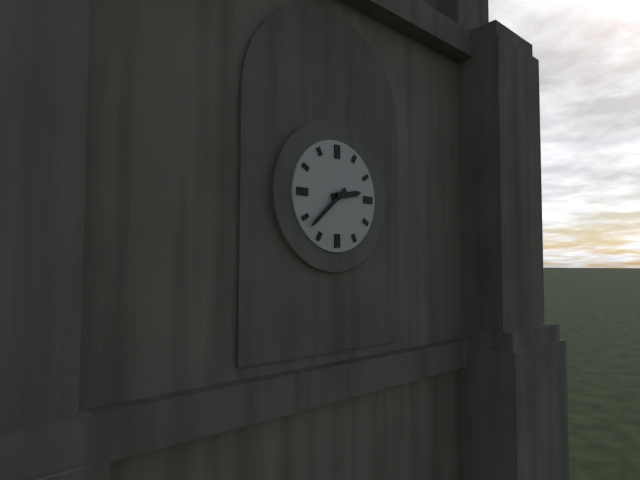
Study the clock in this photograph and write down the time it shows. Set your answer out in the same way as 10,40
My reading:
2,38
